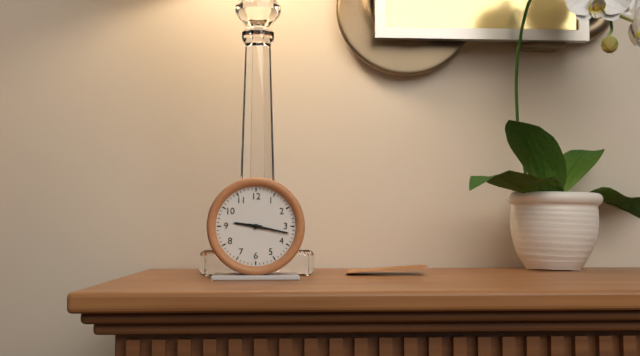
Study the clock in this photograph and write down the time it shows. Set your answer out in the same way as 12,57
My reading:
9,17
